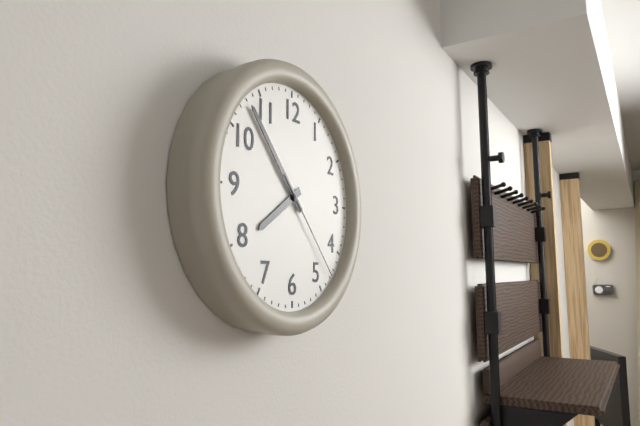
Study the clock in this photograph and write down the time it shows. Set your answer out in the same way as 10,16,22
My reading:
7,53,23
